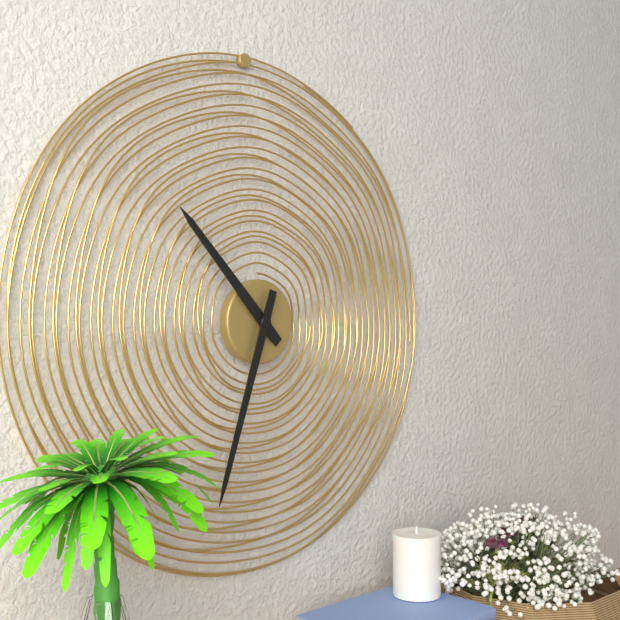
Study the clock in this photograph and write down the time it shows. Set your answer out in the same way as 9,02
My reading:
10,33
